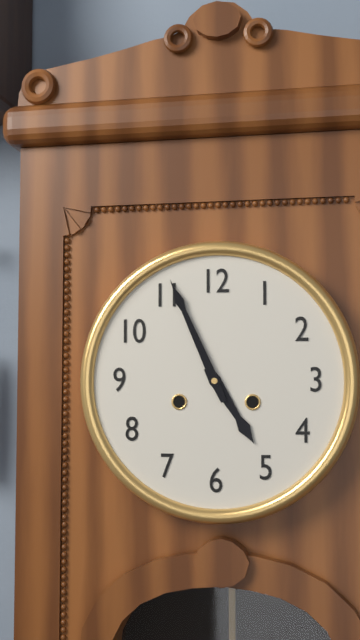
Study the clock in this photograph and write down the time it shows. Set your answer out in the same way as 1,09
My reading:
4,56
